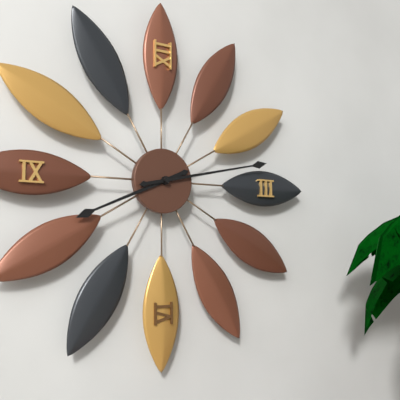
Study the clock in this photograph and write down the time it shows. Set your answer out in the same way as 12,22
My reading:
8,13
